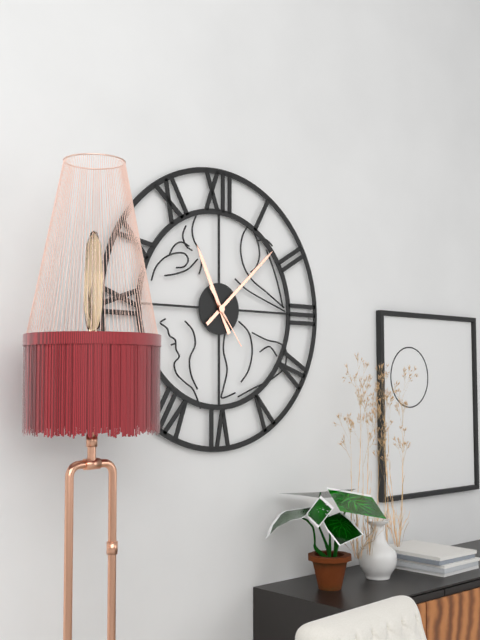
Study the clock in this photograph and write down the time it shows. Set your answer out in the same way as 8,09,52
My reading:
11,08,24
